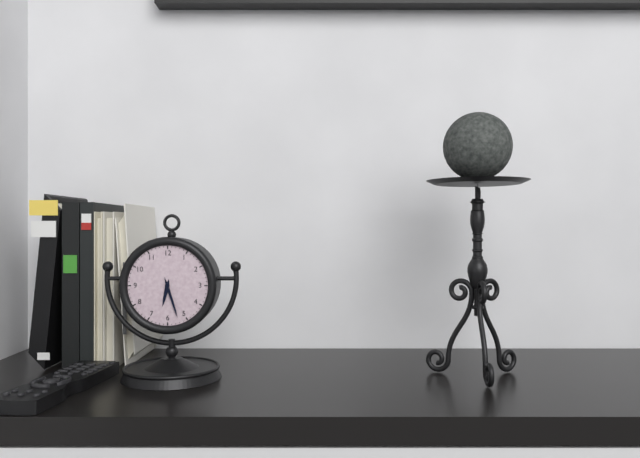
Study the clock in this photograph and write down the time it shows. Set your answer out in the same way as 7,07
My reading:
6,27
